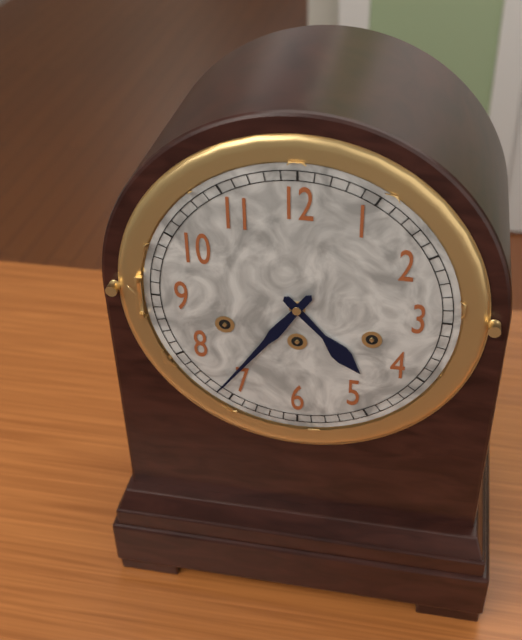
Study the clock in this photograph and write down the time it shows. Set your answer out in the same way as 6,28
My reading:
4,36
